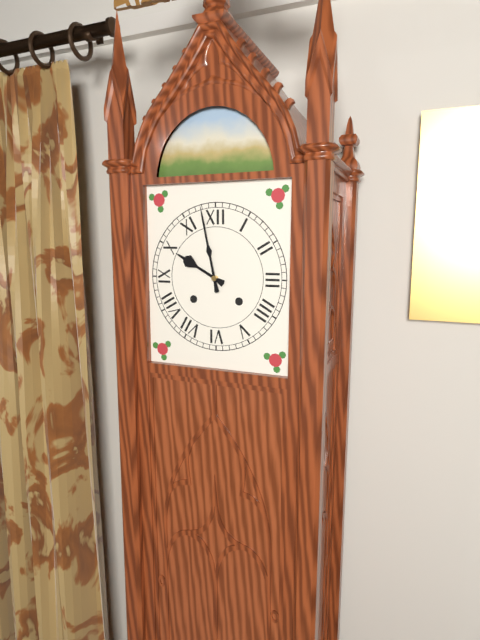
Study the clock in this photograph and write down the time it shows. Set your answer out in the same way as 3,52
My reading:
9,58
